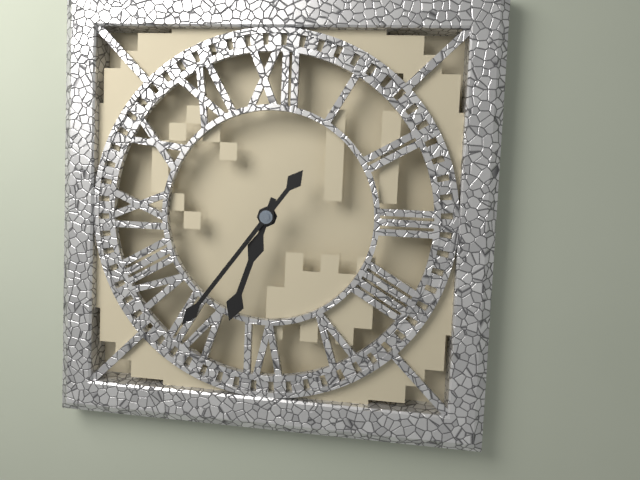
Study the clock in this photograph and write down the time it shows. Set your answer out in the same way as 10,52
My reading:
6,36
